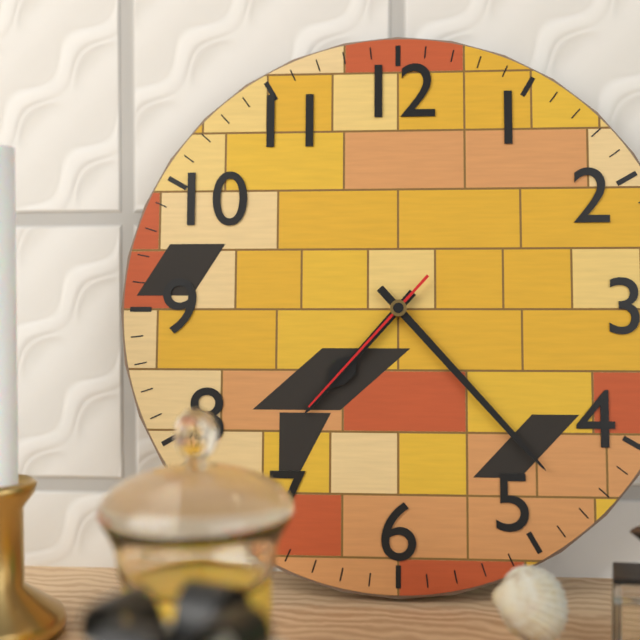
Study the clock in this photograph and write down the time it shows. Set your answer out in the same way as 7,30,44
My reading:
7,23,37
